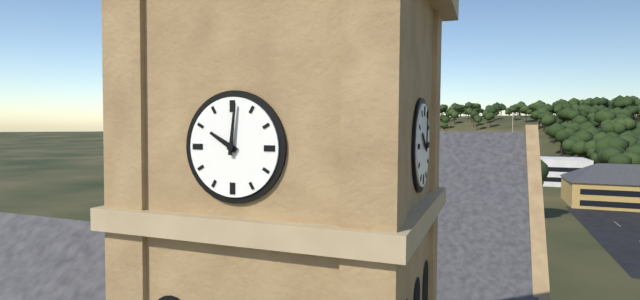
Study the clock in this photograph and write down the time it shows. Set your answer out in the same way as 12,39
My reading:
10,01
